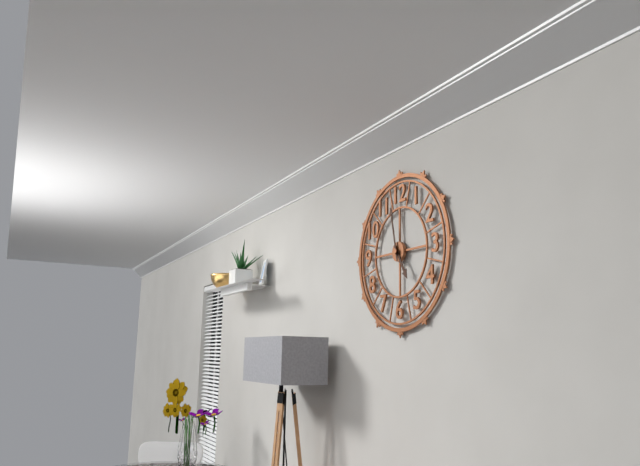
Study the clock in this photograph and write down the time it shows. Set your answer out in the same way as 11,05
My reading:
4,58
